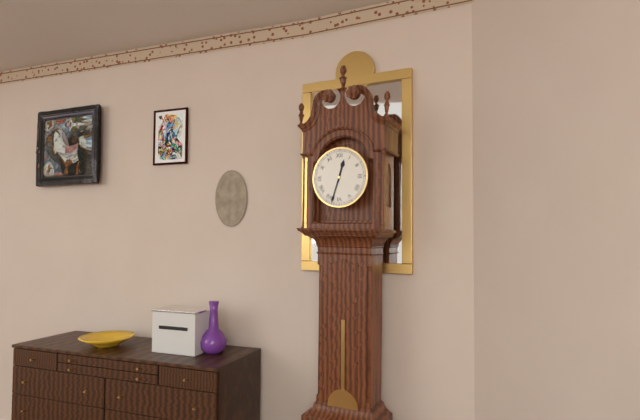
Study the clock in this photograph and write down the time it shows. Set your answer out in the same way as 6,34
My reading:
12,33
